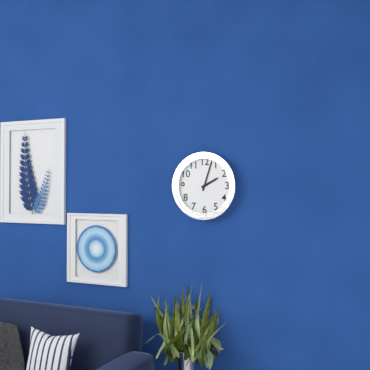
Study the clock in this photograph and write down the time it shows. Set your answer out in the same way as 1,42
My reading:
2,03
